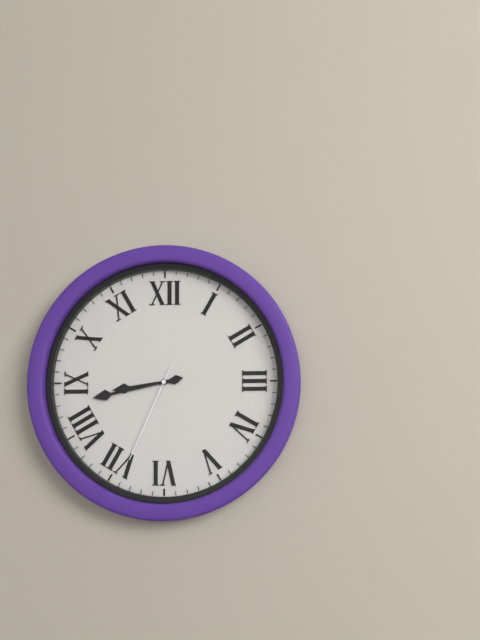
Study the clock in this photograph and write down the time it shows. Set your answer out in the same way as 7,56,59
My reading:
8,43,34
